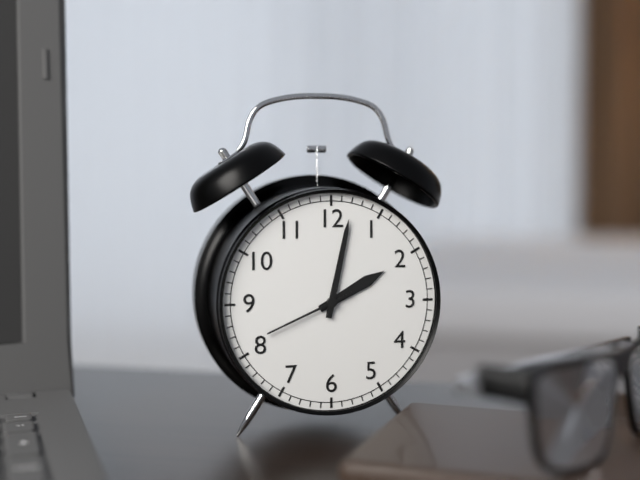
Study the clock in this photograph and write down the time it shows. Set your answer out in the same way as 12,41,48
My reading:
2,02,41
